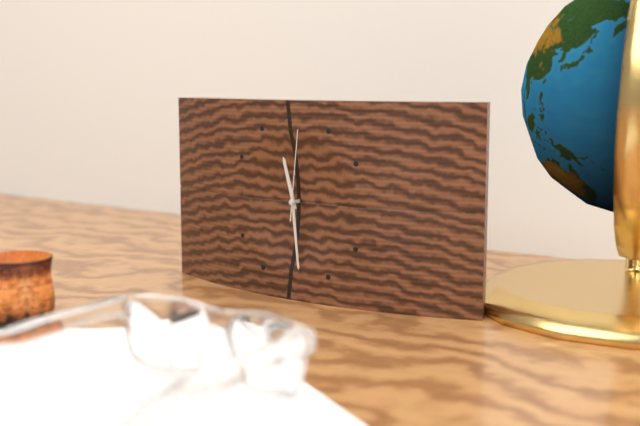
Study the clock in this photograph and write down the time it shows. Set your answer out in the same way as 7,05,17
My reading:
11,29,01
